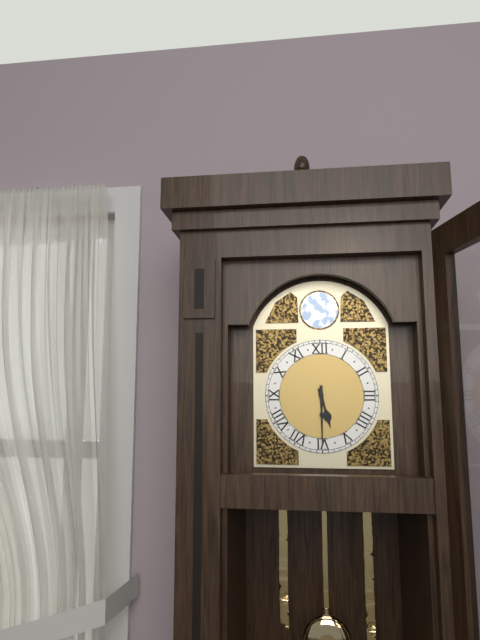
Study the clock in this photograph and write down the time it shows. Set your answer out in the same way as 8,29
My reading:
5,30
